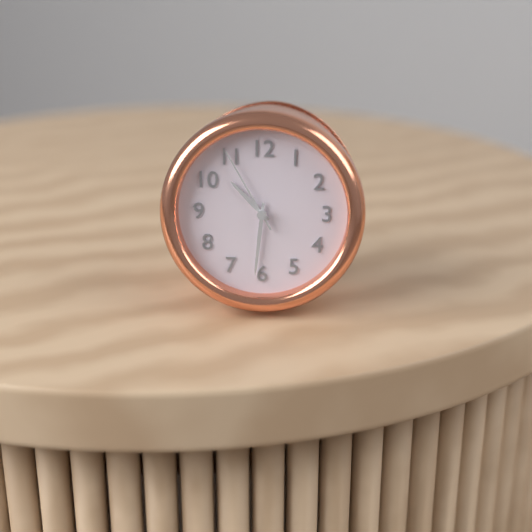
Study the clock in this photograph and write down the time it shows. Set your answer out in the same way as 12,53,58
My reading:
10,31,55
